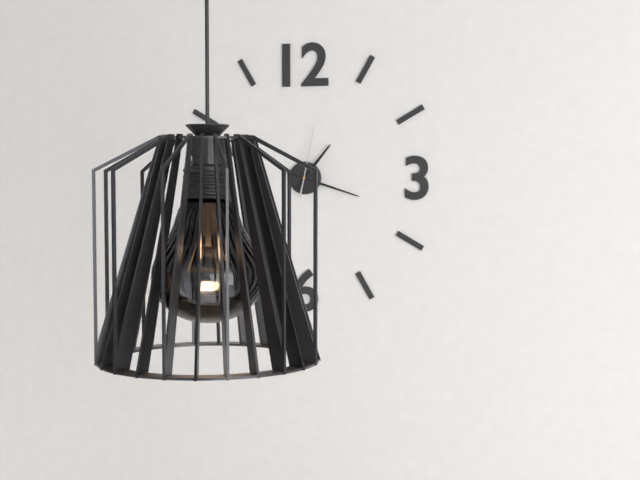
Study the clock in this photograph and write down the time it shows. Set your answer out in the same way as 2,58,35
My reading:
1,18,02
